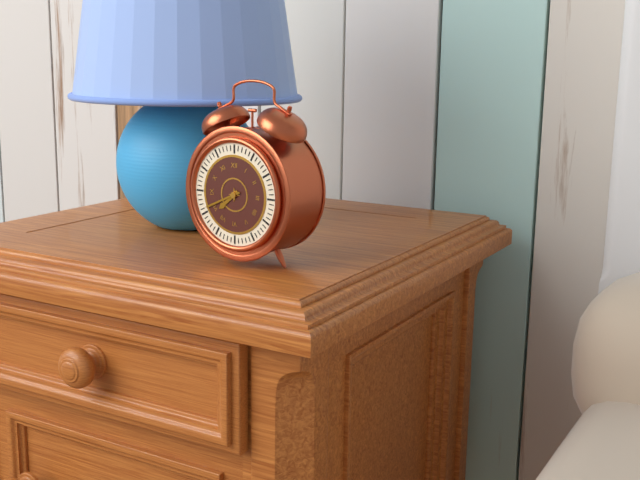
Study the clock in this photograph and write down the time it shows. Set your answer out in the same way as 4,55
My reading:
7,41
